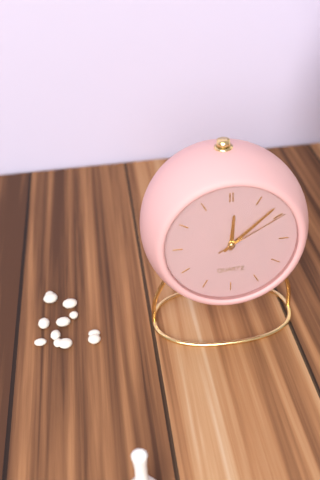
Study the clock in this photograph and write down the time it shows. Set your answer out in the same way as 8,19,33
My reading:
12,08,10
